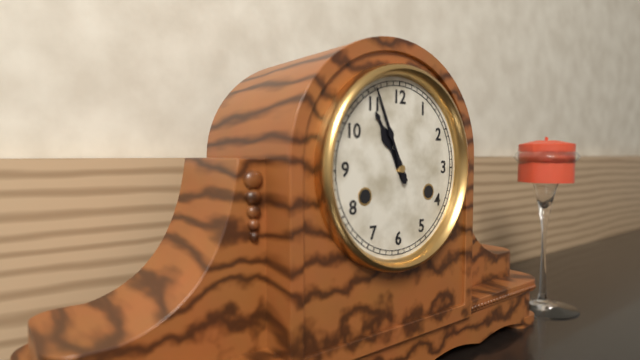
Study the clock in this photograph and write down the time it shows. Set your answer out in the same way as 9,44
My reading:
10,56
